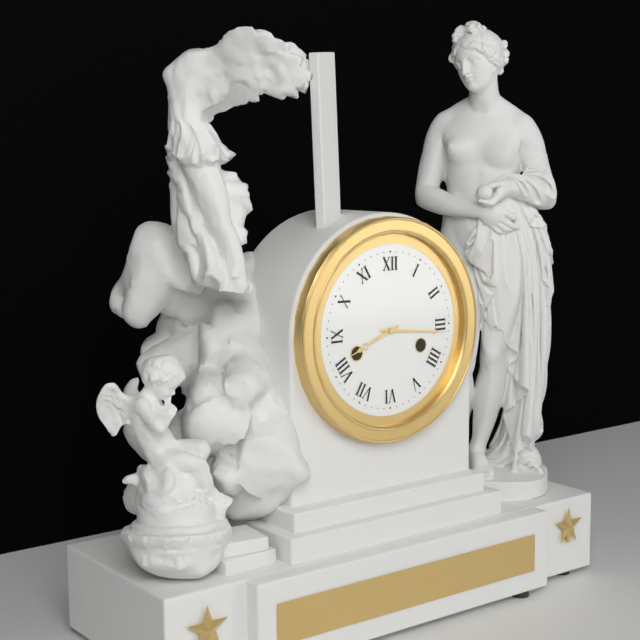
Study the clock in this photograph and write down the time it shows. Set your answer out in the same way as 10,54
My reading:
8,16
